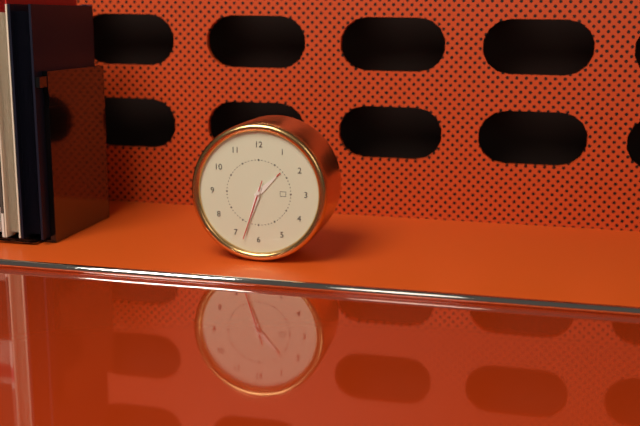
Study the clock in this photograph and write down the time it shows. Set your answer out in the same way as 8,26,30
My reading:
1,33,33
